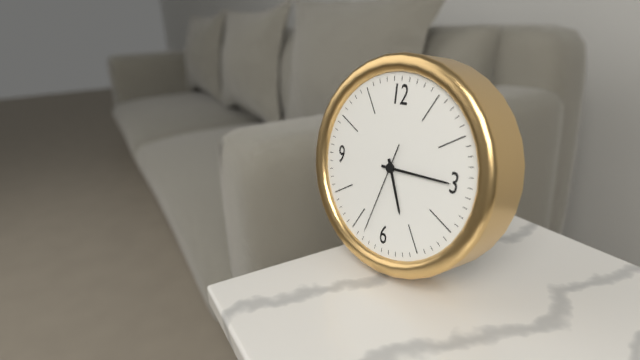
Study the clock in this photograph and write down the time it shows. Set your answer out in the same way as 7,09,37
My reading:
5,15,33
